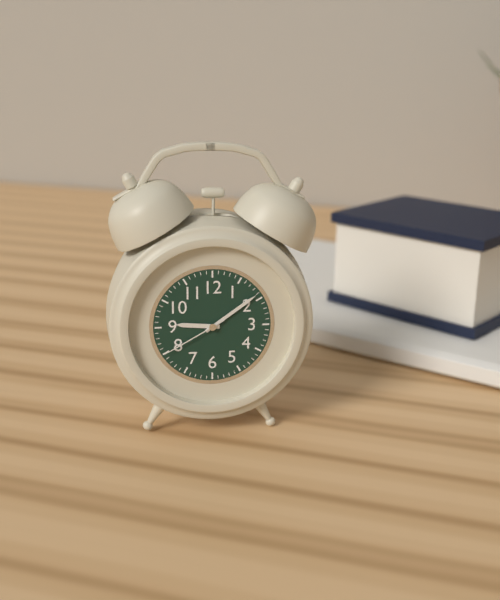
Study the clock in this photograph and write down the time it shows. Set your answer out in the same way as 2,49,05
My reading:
9,09,40
